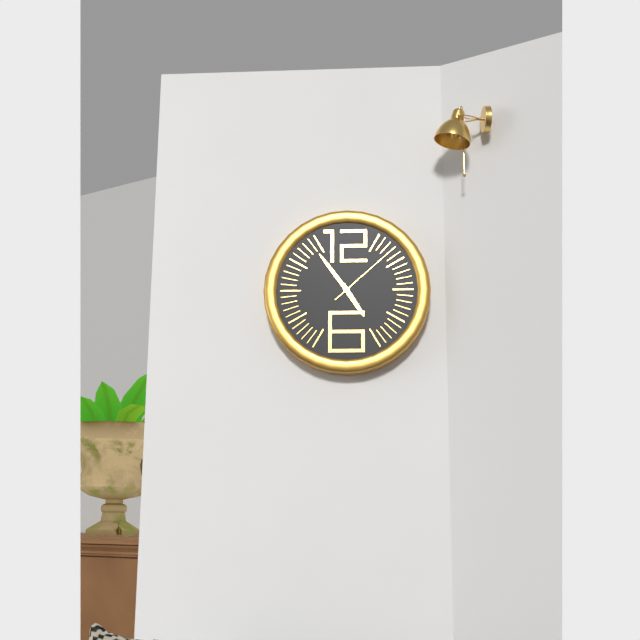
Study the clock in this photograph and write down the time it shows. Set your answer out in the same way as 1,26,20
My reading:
4,54,08
